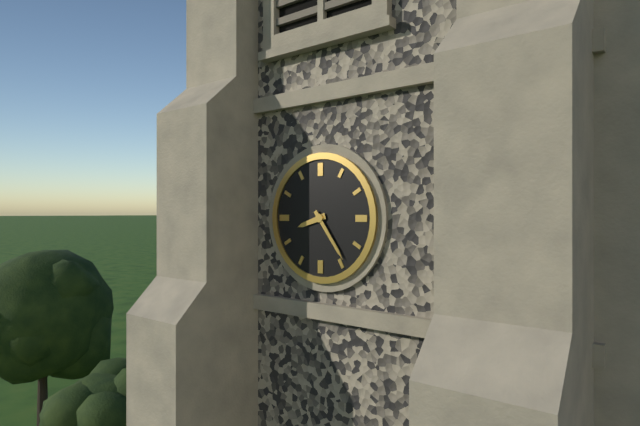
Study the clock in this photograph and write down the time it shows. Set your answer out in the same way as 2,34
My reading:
8,24
